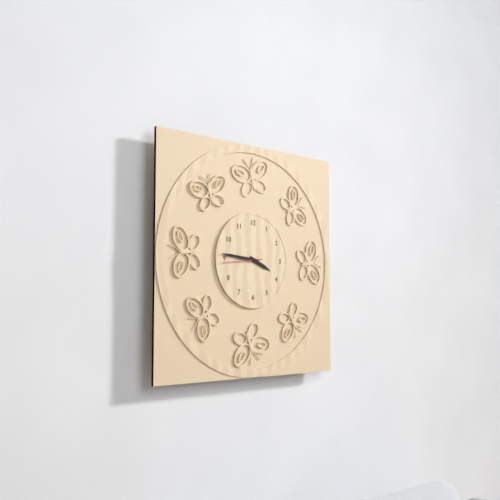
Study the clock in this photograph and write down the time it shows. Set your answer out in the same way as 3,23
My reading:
3,46
